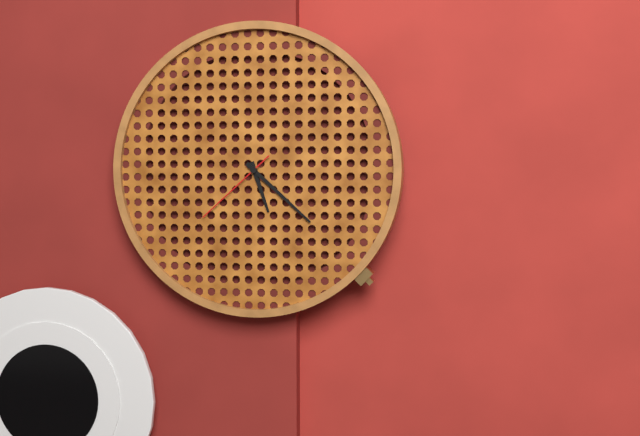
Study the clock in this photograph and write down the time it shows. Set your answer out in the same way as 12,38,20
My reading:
5,22,38
